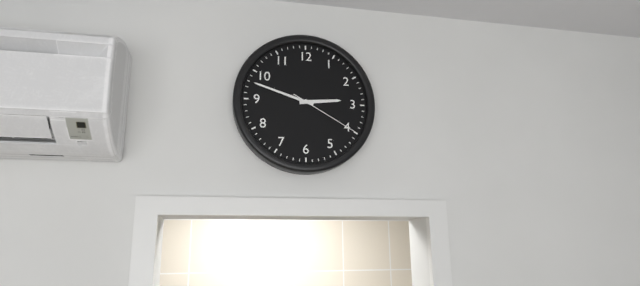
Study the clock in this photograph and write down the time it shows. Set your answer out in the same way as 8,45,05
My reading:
2,48,20
